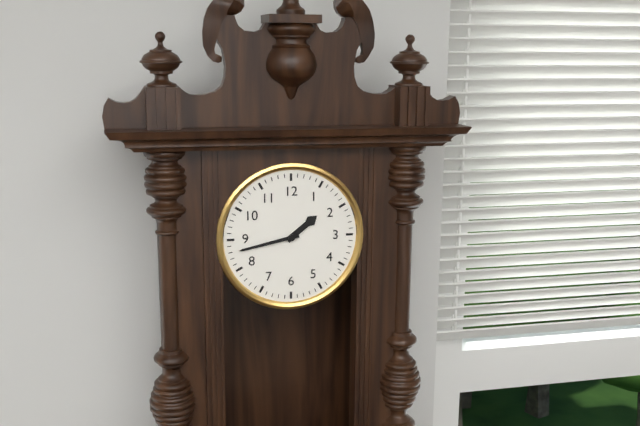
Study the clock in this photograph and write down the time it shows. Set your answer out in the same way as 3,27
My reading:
1,43
